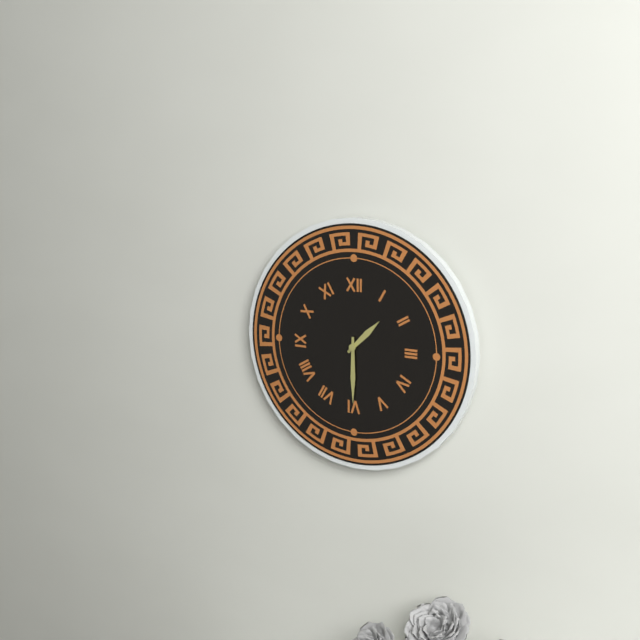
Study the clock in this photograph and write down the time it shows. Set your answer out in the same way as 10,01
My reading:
1,30
